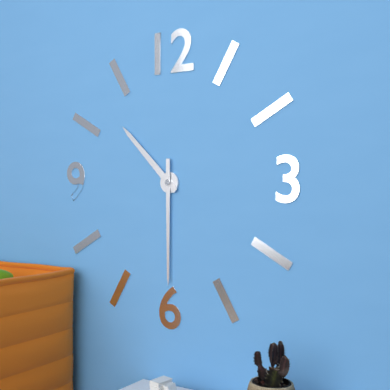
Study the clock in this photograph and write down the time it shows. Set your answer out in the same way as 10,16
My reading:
10,30
